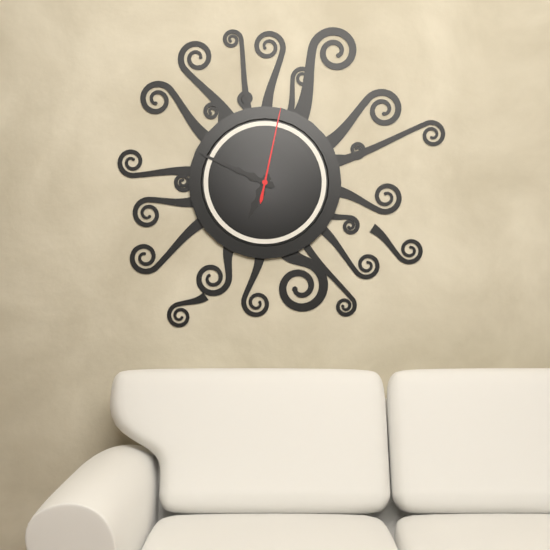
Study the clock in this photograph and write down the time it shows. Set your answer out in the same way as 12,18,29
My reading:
6,49,02
